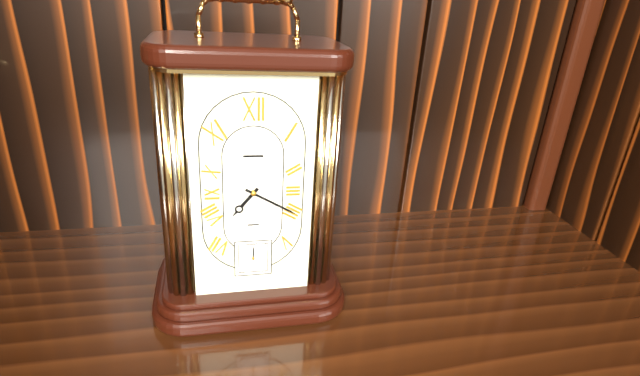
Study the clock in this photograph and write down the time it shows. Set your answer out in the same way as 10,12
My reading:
7,20
